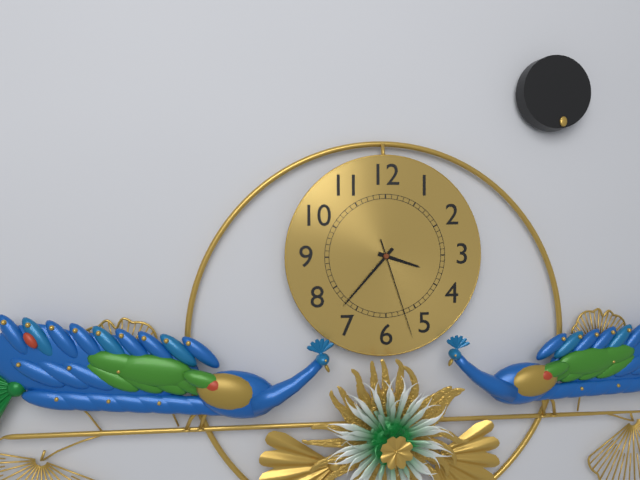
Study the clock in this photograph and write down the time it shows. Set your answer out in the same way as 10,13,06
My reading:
3,37,27
